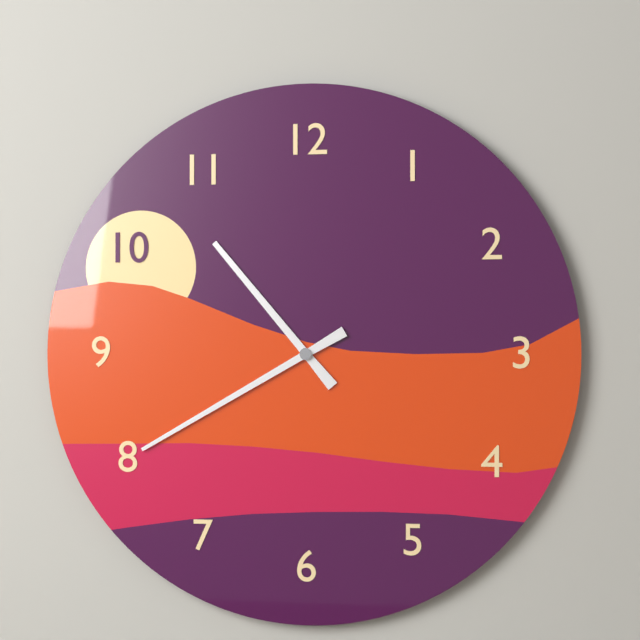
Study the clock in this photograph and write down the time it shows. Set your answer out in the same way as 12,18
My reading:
10,40
